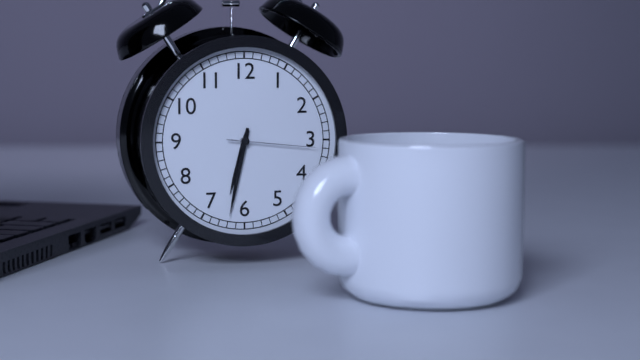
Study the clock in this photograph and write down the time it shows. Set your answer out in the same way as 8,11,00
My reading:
6,32,16
